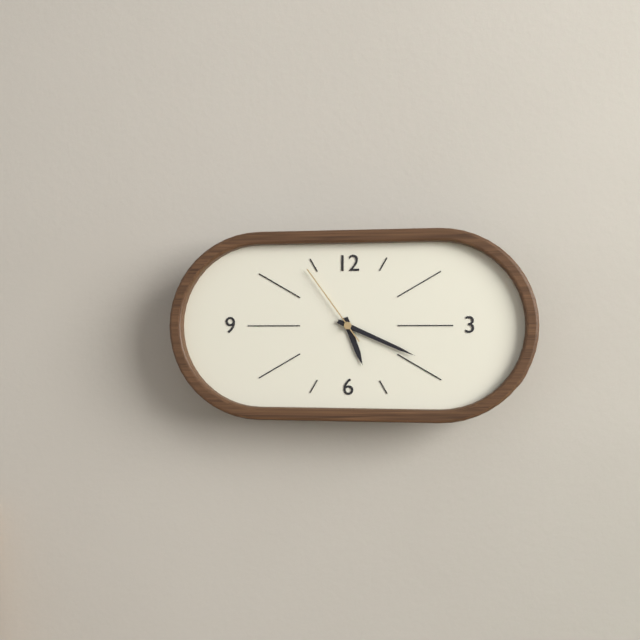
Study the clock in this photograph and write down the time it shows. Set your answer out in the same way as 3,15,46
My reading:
5,19,54
